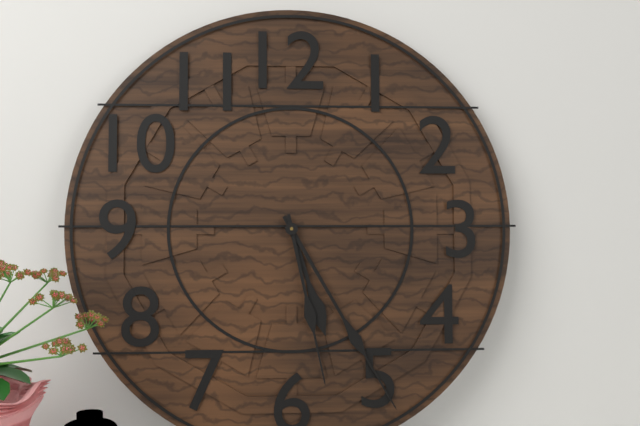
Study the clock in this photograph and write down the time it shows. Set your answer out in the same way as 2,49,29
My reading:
5,25,28
